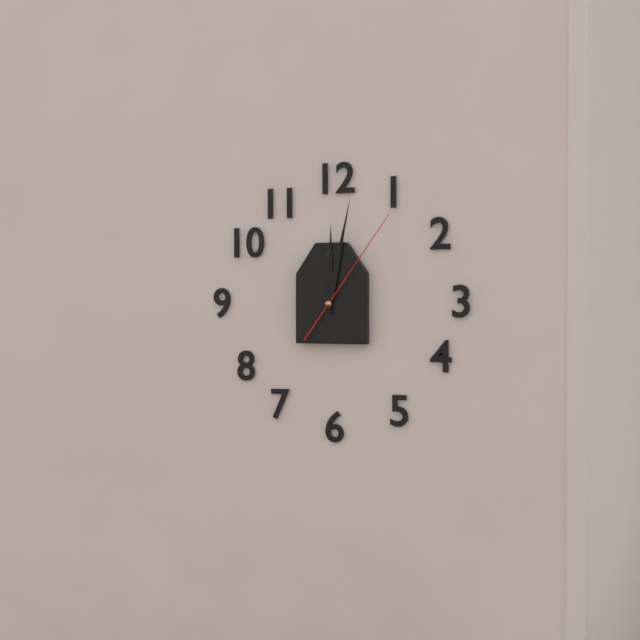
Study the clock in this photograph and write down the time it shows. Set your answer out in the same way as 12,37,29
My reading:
12,02,06
